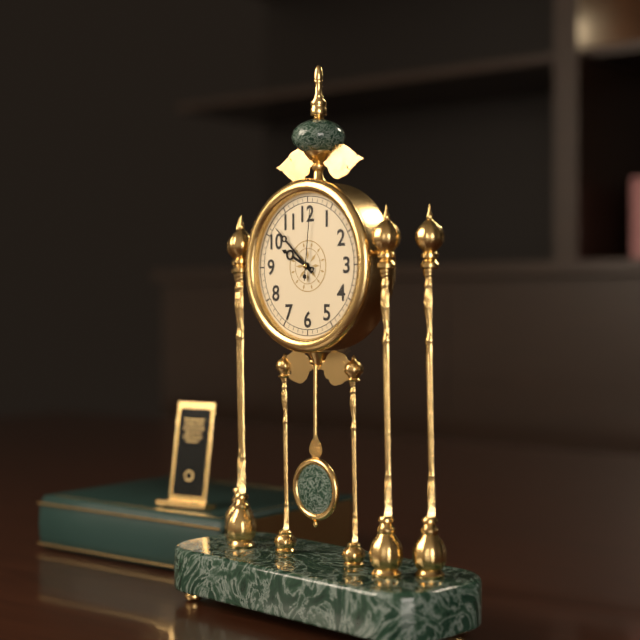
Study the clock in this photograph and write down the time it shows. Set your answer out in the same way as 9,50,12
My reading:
9,52,01
